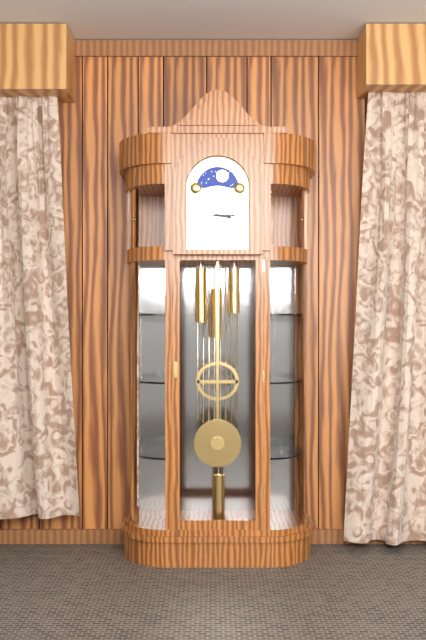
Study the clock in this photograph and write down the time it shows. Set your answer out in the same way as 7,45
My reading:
3,15
